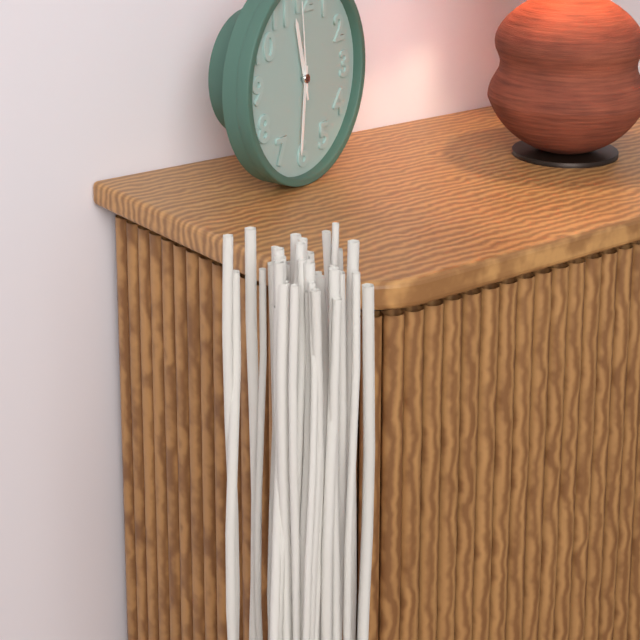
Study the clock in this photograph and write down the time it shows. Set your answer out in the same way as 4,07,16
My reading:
11,31,59
